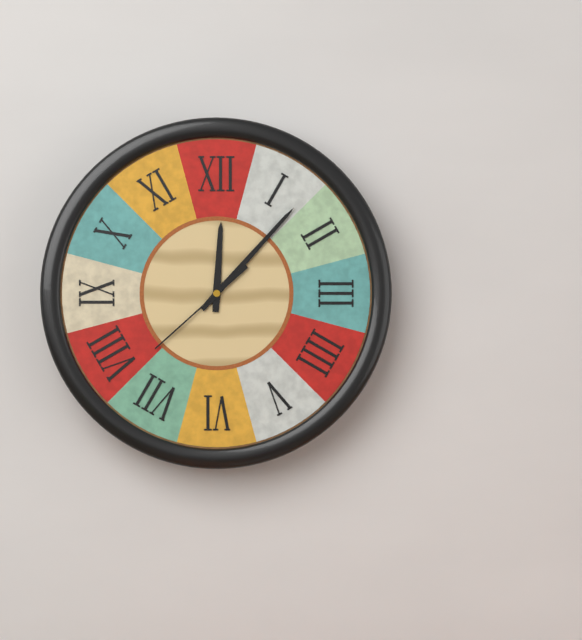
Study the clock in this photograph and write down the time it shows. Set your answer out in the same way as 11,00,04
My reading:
12,07,38
